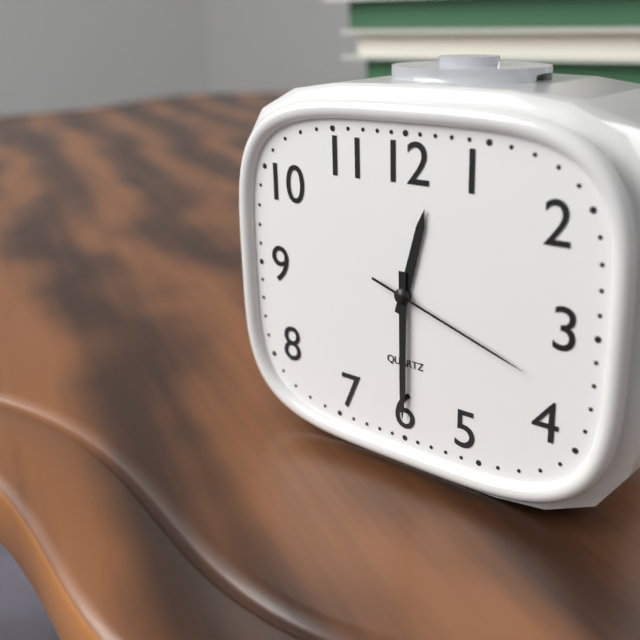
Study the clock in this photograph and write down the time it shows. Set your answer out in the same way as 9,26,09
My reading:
12,30,18
